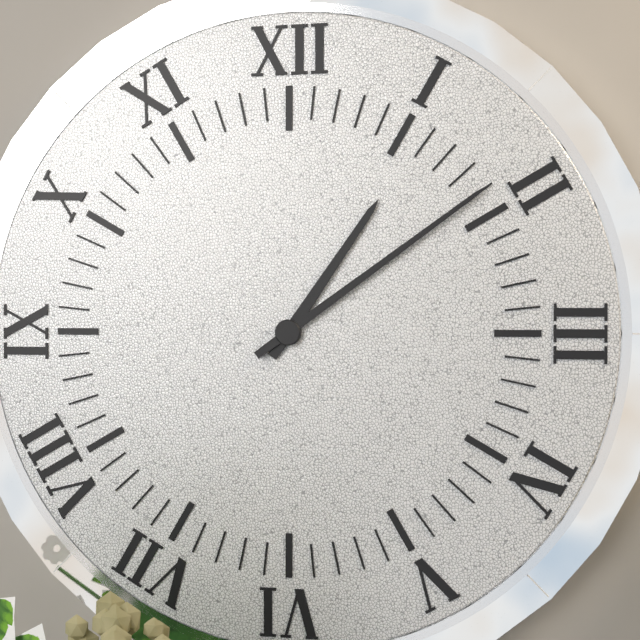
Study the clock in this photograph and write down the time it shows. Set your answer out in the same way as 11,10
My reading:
1,09
